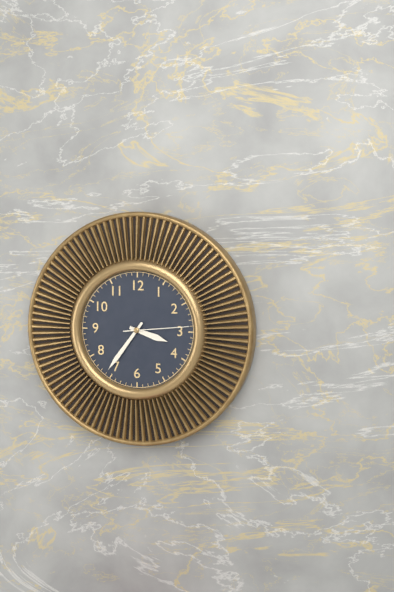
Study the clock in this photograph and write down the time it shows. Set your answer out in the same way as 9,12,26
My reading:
3,36,14
